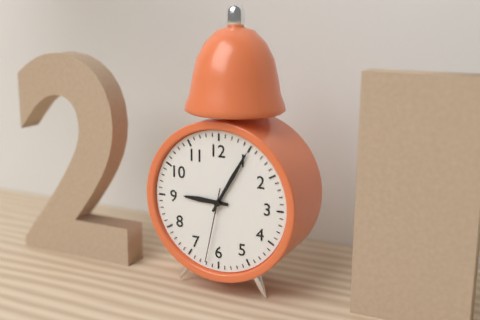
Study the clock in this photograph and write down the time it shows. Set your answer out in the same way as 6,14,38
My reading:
9,05,32
